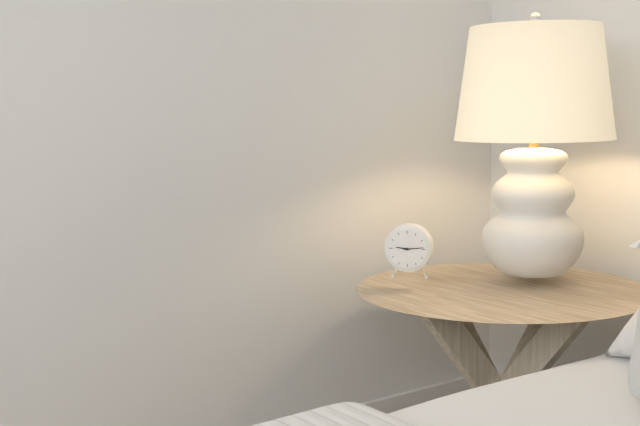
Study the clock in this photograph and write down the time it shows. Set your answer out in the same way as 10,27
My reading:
9,14
